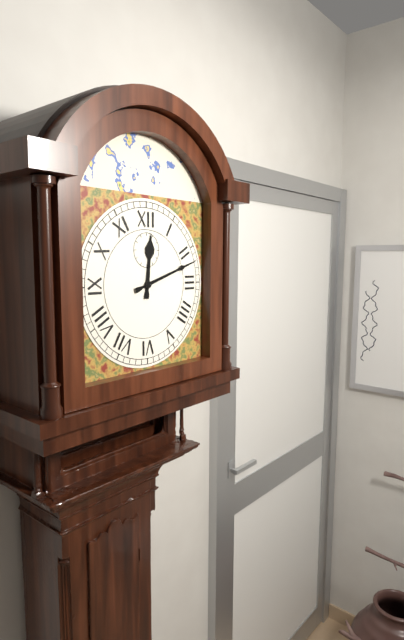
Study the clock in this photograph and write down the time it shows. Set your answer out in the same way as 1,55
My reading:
12,12
